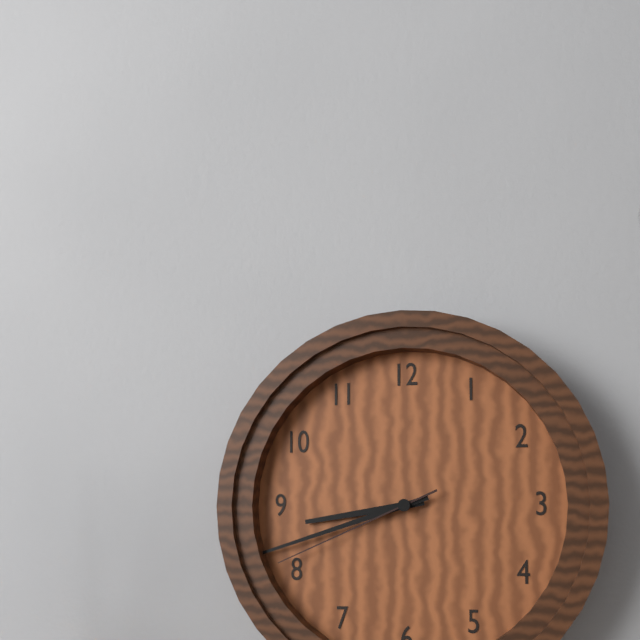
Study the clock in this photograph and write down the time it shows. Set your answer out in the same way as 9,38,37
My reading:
8,42,41
